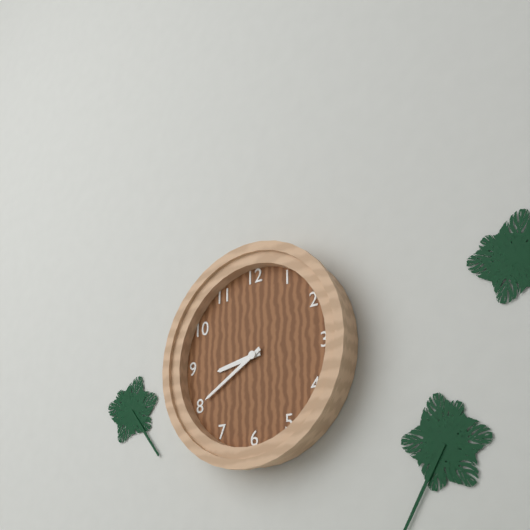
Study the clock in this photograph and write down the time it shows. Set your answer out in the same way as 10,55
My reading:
8,40
